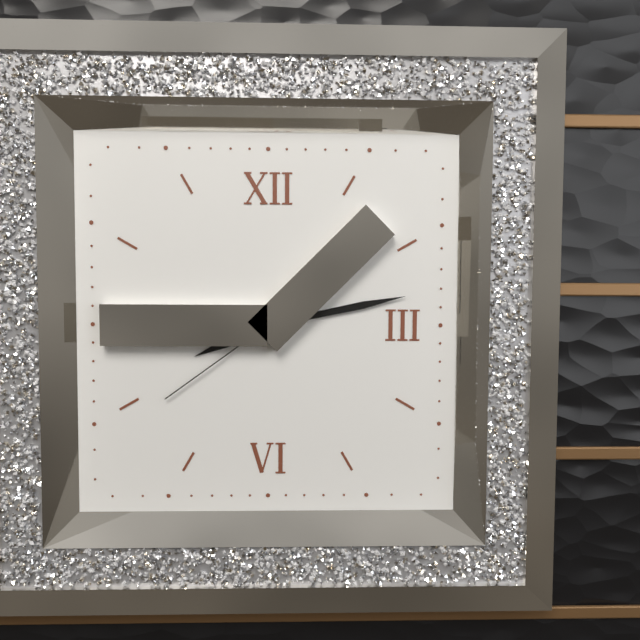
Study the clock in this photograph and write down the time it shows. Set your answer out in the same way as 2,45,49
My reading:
8,13,39
